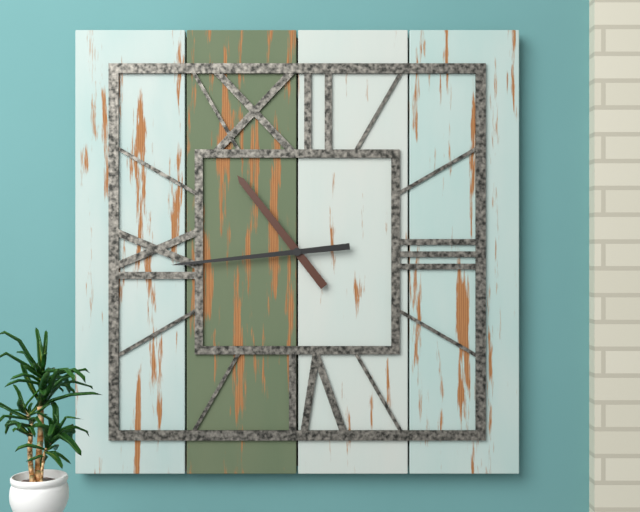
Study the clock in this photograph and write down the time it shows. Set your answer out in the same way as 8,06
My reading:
10,44
